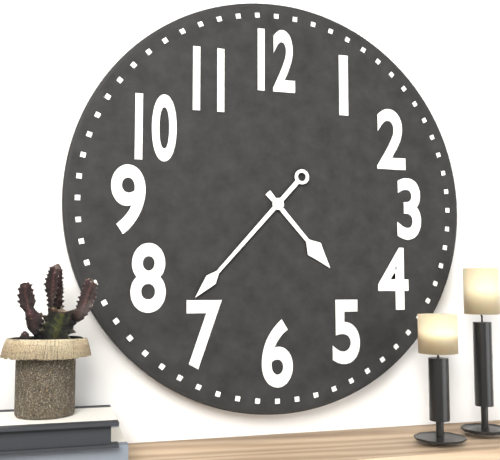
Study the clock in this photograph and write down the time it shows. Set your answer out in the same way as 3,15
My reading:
4,37
